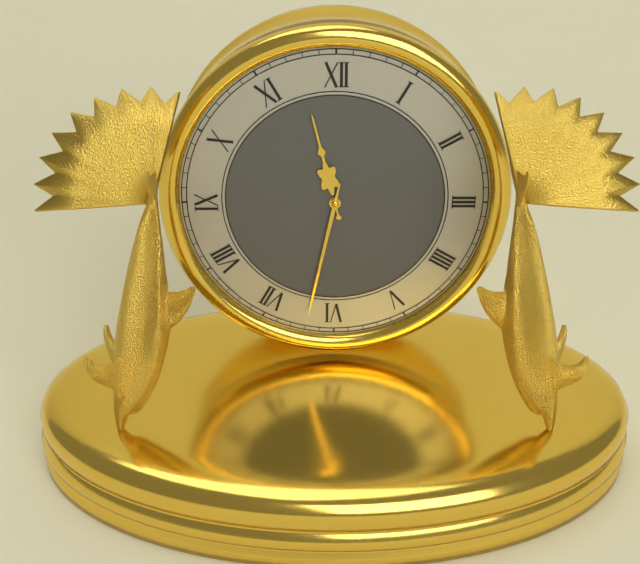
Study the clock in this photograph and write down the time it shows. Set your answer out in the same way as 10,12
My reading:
11,32
